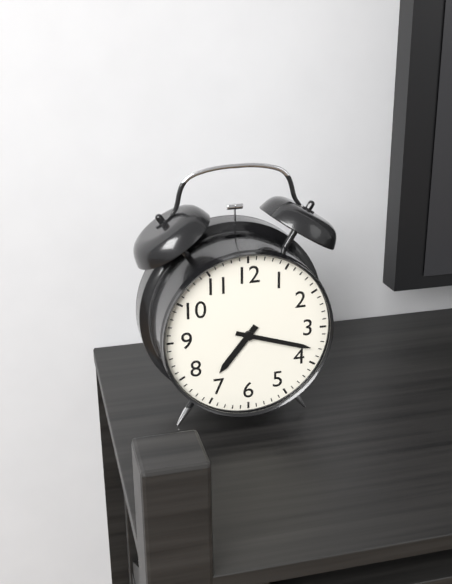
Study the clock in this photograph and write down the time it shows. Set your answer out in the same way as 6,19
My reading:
7,18
